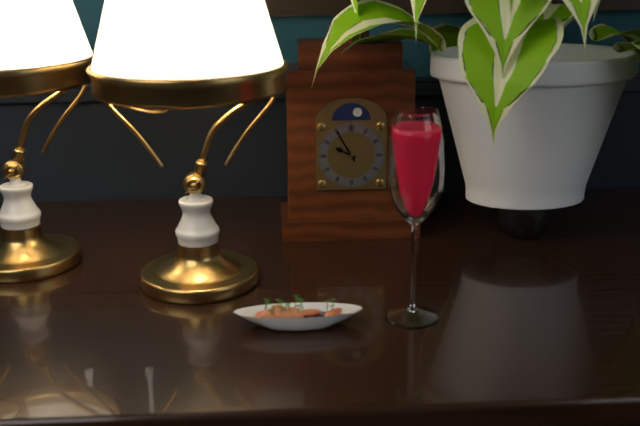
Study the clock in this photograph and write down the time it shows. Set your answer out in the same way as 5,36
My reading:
9,55
